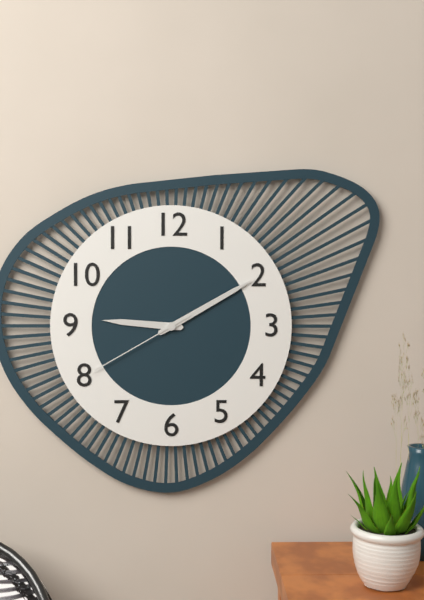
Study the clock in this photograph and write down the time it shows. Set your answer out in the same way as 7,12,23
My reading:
9,10,40
